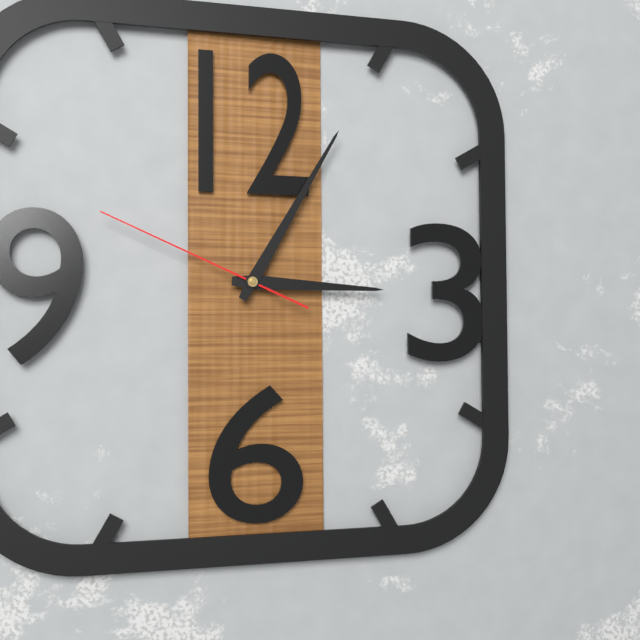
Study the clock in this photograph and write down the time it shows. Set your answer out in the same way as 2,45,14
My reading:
3,05,49
